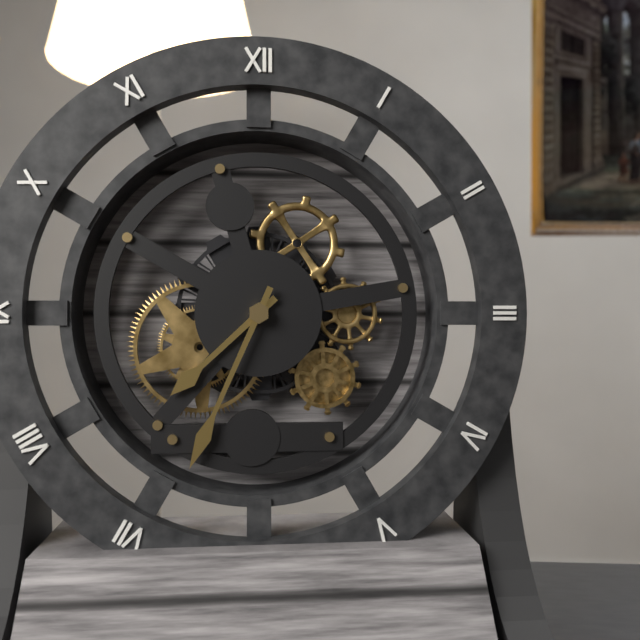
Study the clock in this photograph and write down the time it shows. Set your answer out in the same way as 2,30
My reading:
7,34
